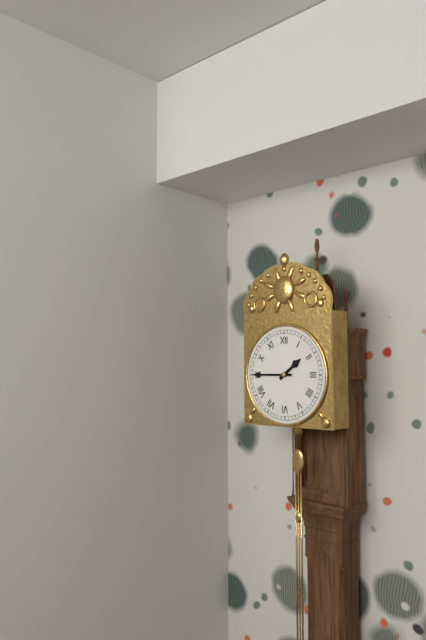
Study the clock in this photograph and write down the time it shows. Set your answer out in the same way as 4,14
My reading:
1,45
